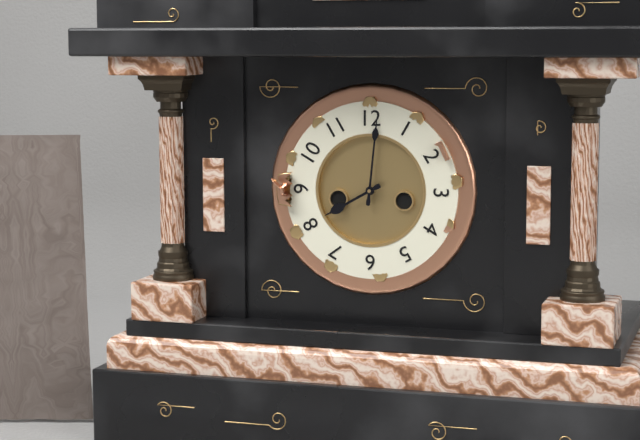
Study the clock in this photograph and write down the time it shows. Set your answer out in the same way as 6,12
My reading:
8,01
